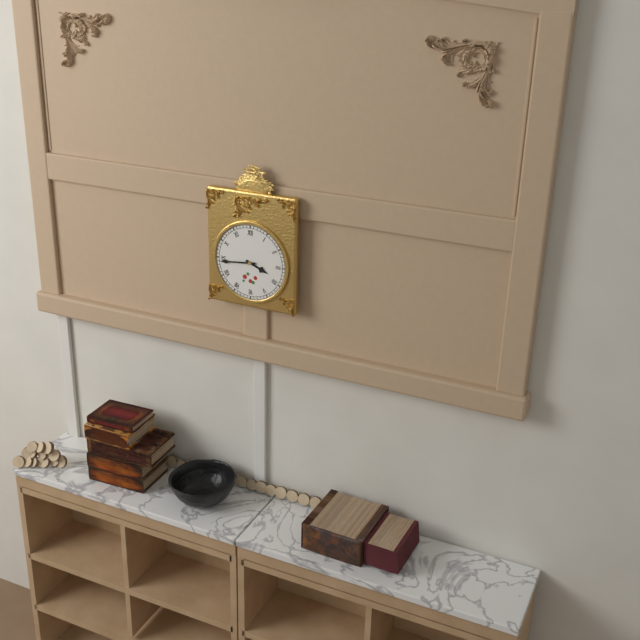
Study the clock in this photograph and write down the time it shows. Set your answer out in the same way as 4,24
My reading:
3,44
